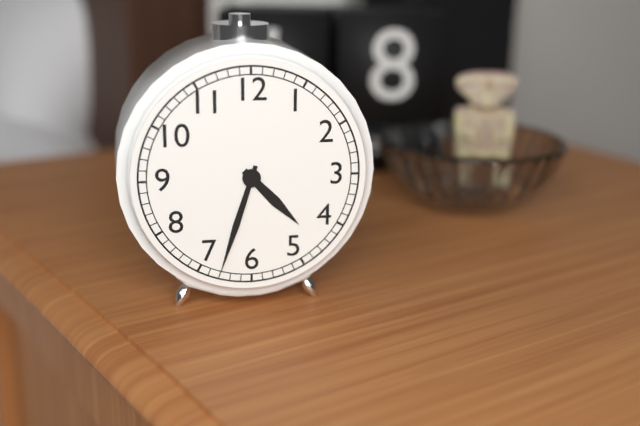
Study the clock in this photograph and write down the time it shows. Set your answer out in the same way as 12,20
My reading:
4,33
